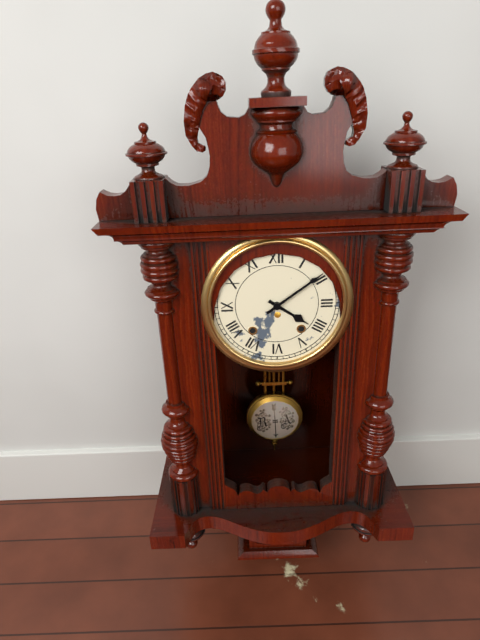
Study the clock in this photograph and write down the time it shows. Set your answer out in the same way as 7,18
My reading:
4,09
